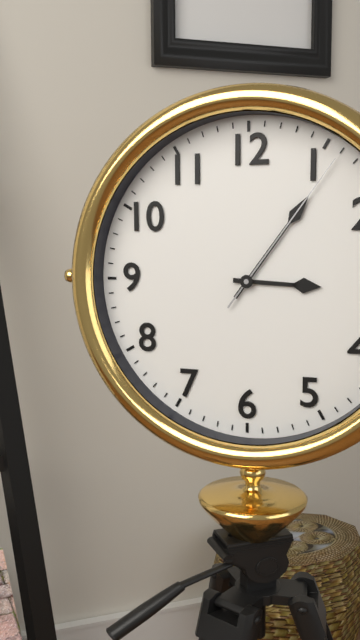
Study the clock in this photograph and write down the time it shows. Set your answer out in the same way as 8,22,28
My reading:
3,06,06
